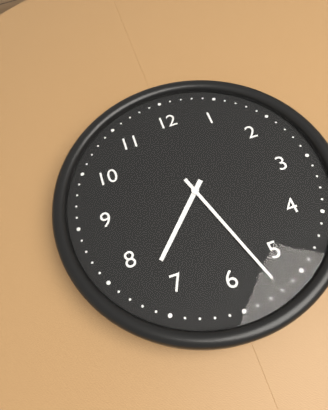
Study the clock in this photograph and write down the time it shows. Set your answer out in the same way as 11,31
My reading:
7,27
